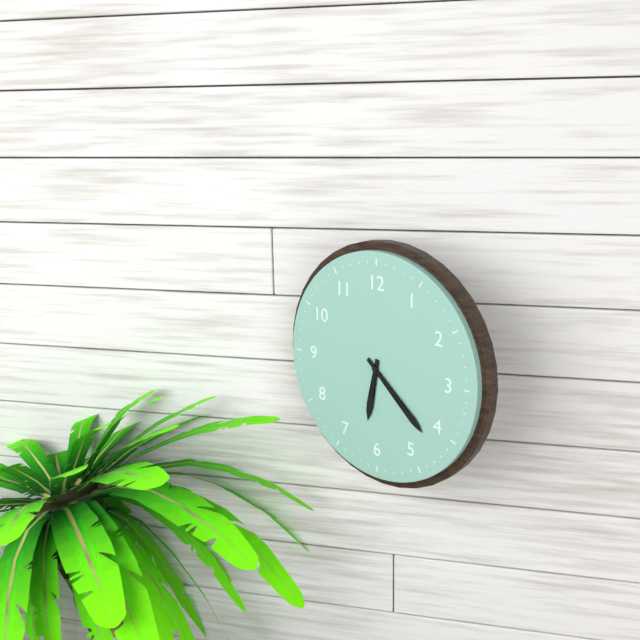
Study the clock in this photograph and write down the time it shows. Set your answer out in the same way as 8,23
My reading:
6,22
